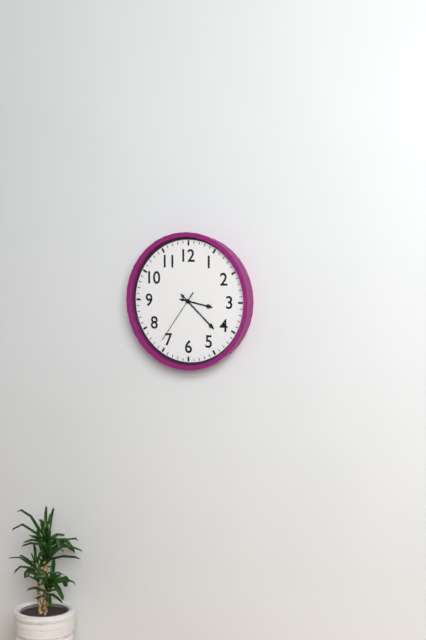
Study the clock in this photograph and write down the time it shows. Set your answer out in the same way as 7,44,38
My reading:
3,22,36
